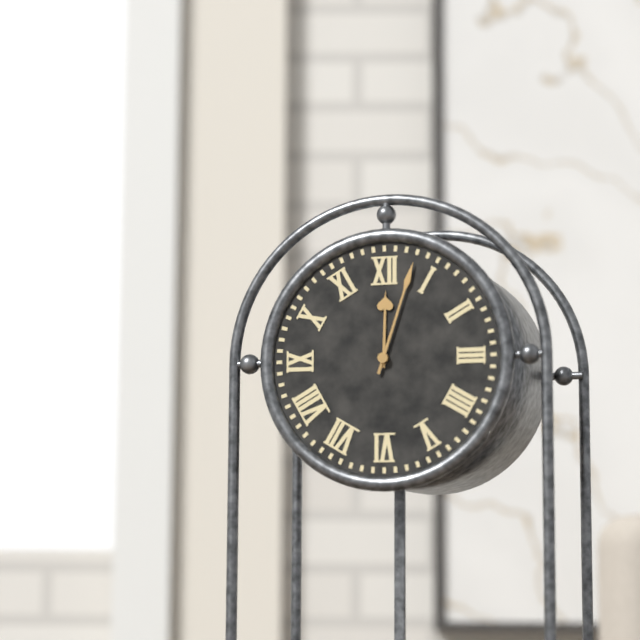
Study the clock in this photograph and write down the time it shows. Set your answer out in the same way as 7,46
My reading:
12,03
